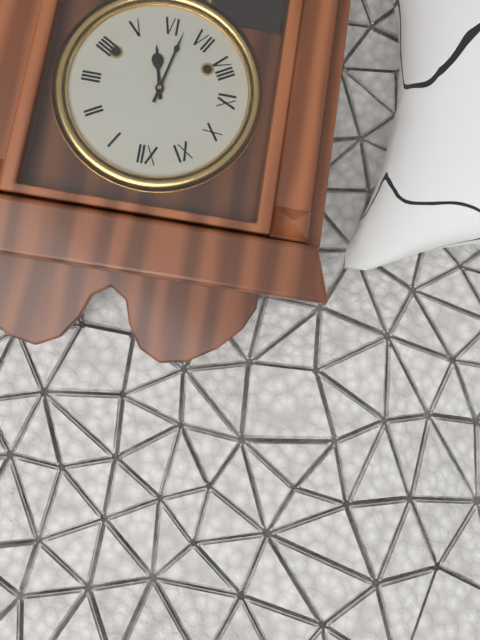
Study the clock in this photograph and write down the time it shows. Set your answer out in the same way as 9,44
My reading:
5,32
